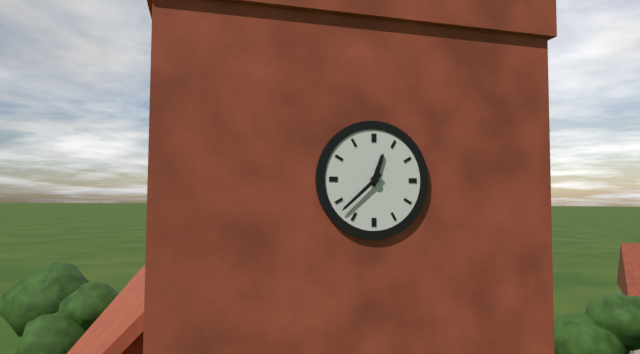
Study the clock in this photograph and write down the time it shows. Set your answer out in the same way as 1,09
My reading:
12,38
